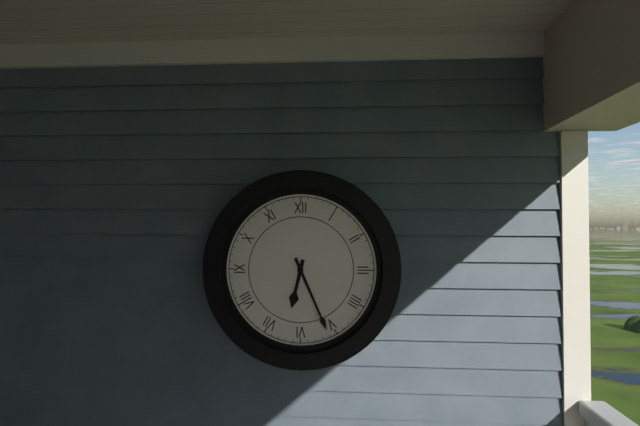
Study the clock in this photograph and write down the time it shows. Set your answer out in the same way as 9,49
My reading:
6,26
